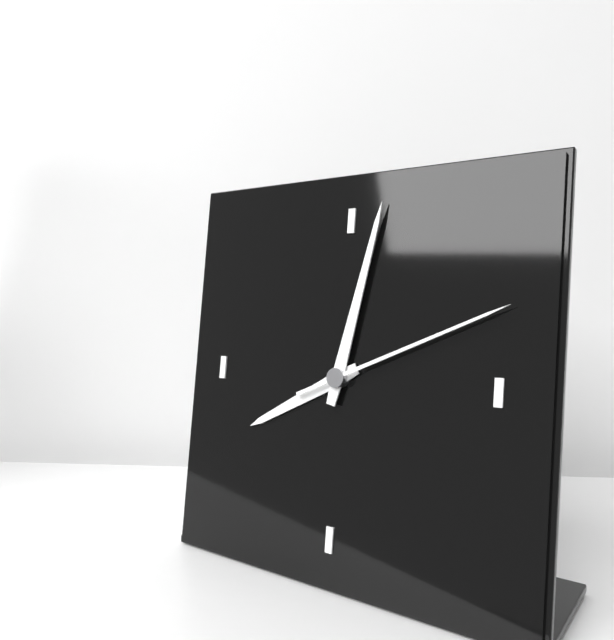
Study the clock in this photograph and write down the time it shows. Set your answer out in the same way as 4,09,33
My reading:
8,02,11
